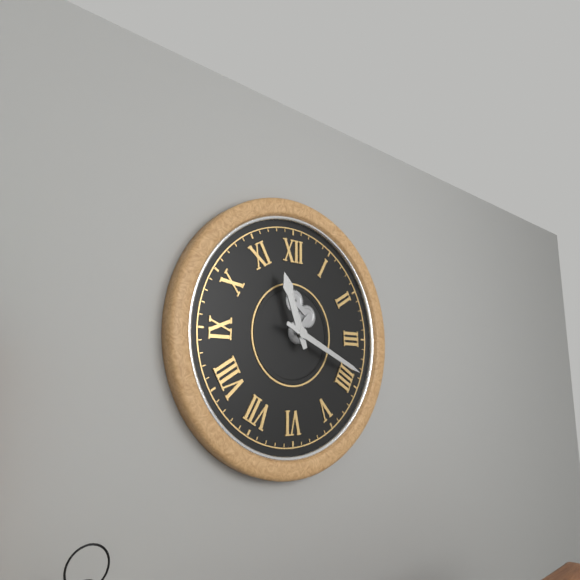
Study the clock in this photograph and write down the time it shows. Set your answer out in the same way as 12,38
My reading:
11,19
